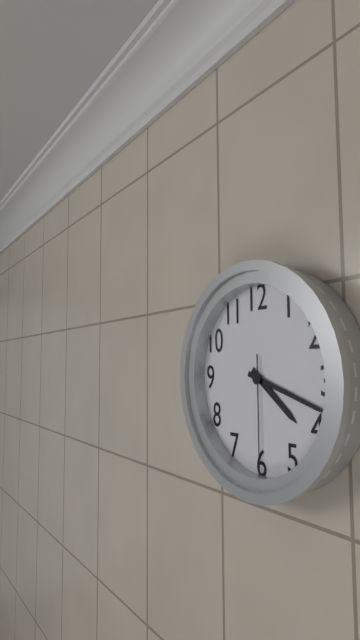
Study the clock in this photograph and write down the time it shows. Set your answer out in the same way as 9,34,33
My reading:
4,18,30
